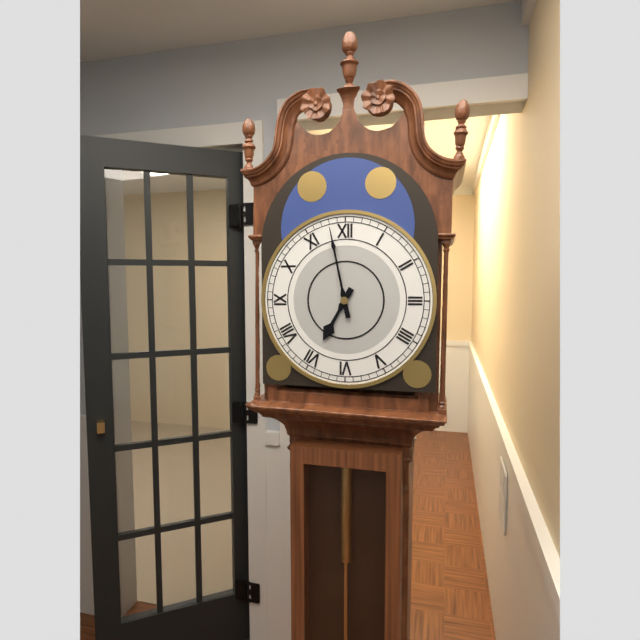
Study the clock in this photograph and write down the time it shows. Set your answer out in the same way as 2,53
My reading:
6,58
